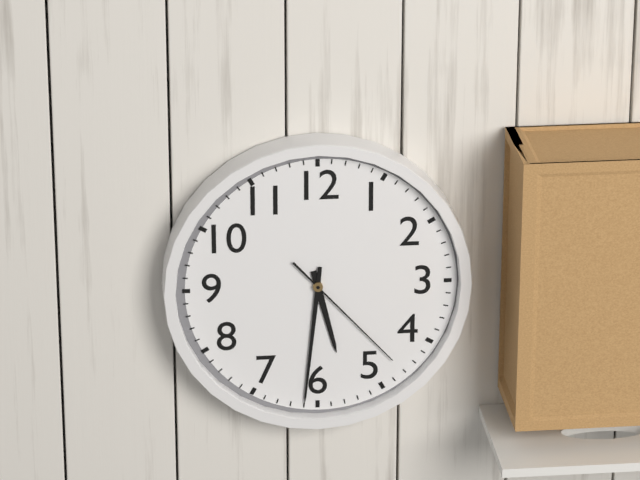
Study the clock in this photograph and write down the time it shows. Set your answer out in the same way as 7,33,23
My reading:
5,31,23
